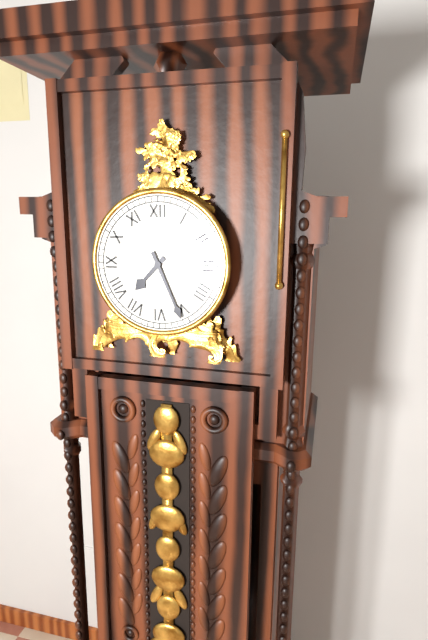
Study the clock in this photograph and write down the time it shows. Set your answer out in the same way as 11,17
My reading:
7,26
